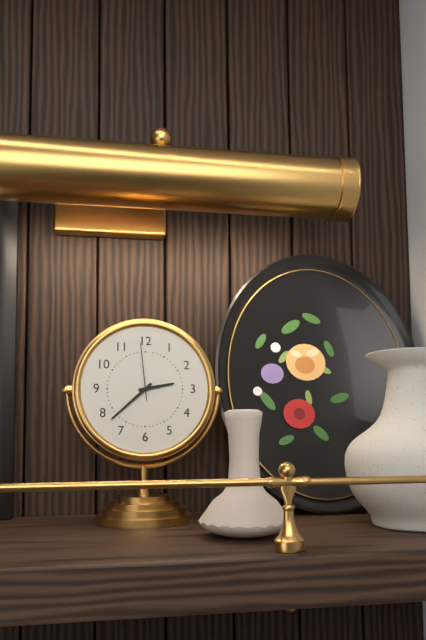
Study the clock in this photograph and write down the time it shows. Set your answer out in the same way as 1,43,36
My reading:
2,38,59
